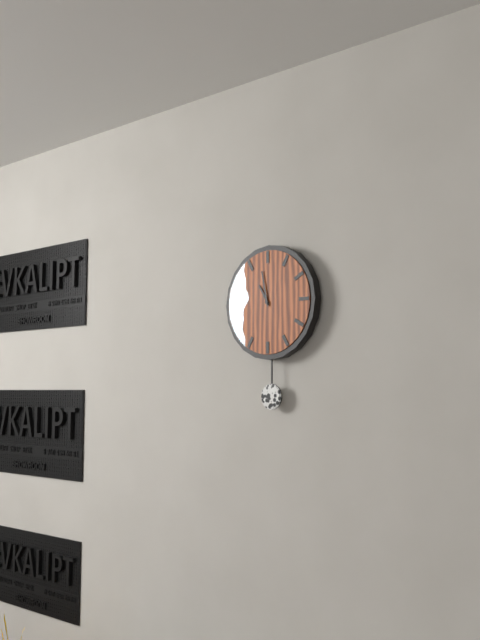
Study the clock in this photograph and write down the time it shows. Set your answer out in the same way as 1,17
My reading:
10,58
